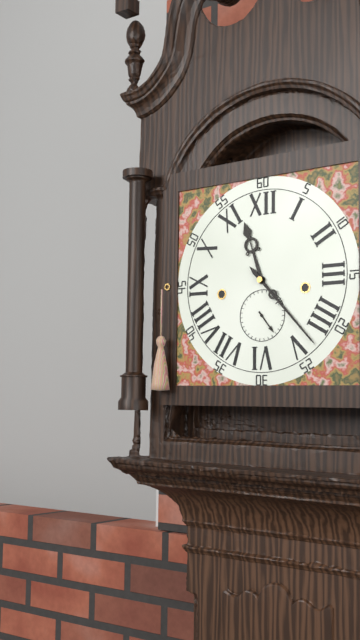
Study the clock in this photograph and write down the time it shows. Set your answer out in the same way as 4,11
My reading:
11,23
